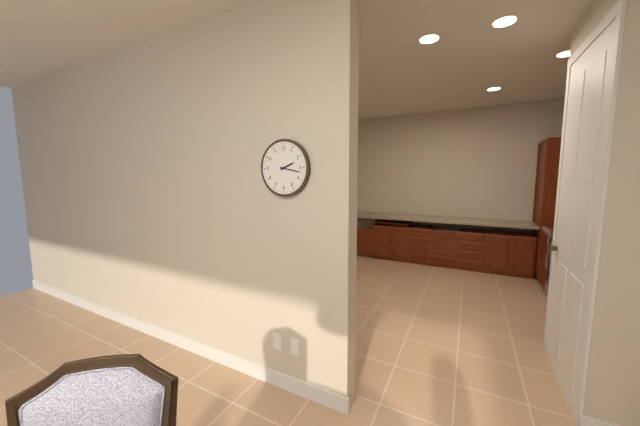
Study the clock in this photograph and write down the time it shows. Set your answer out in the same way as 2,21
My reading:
2,17
